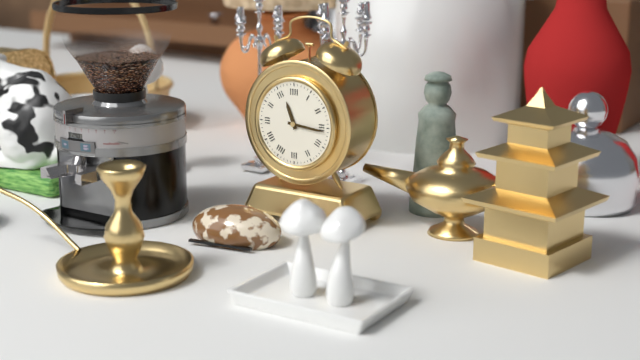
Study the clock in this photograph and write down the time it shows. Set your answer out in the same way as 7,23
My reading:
11,16
